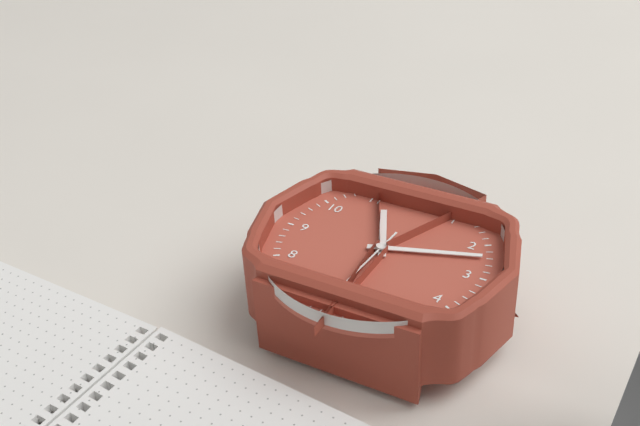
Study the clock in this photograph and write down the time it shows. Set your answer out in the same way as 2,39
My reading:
11,12
